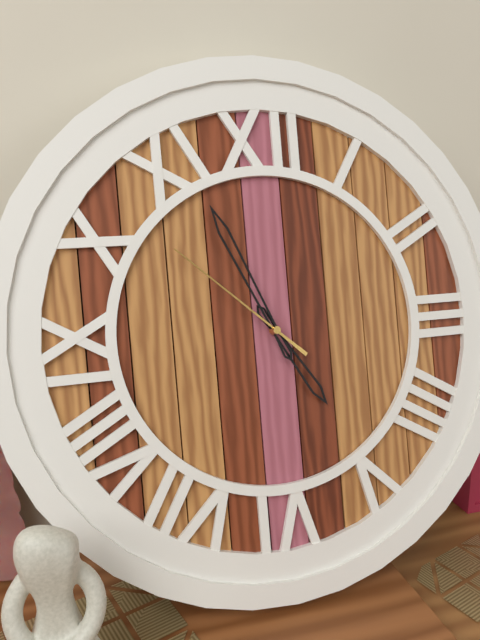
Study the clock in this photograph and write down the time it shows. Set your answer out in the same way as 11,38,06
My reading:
4,56,52
